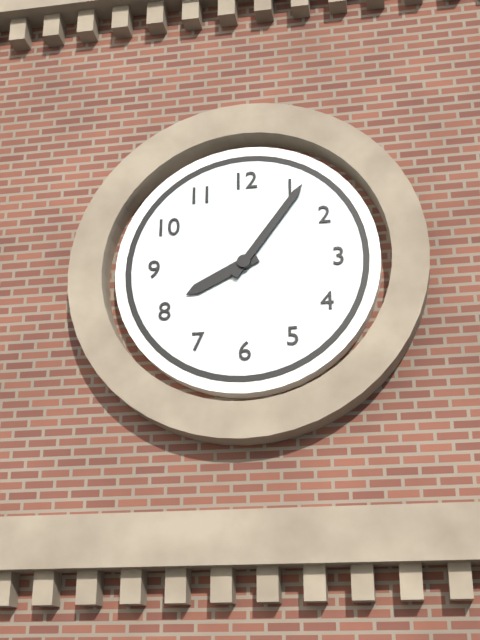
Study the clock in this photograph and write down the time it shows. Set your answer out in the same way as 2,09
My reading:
8,06
